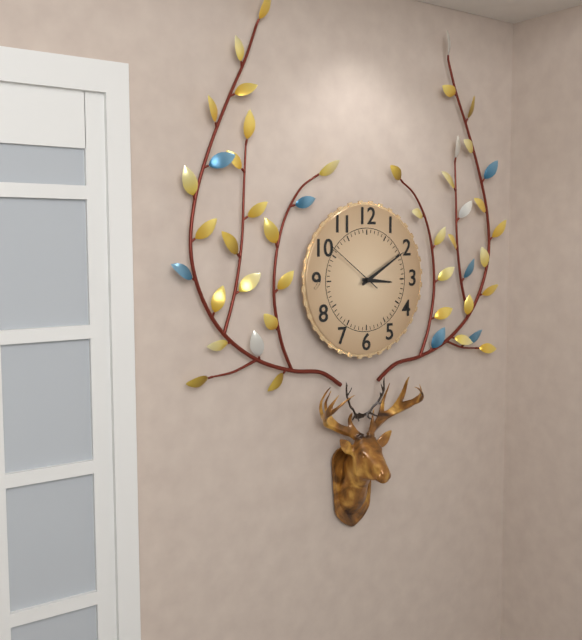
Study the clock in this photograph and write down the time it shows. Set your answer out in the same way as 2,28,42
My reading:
3,10,51
